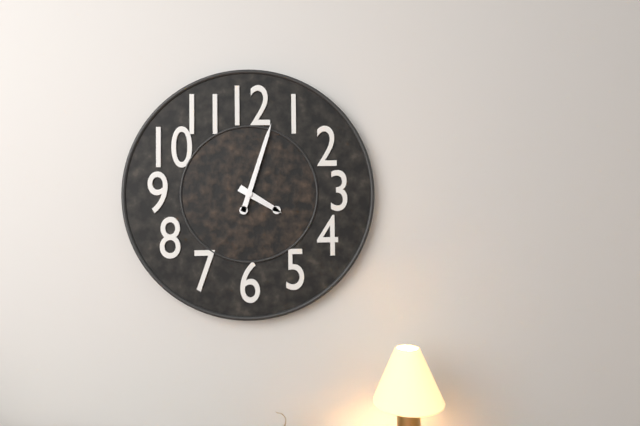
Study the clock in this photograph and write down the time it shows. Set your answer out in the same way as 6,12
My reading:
4,03
